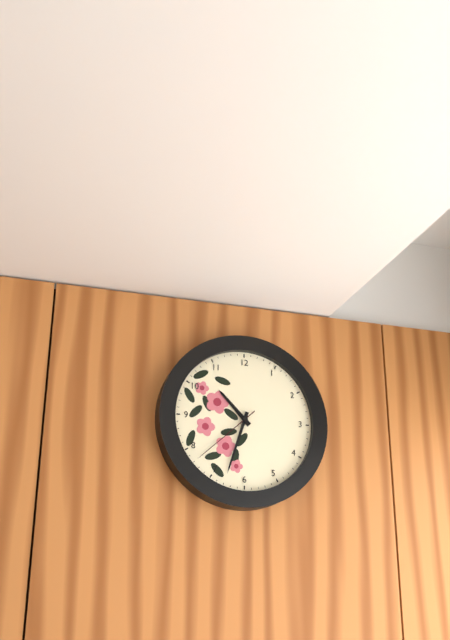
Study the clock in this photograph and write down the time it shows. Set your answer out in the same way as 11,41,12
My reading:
10,33,38
